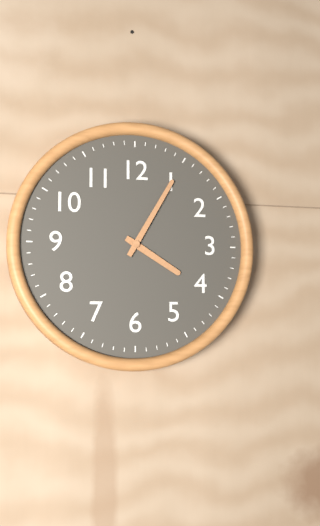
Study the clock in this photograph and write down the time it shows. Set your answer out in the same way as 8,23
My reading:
4,05
